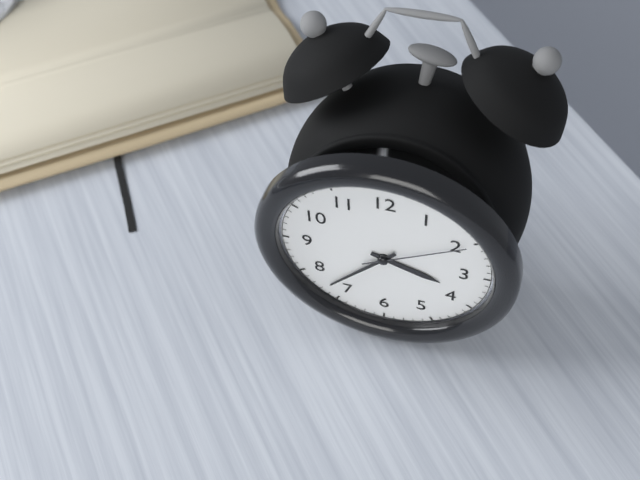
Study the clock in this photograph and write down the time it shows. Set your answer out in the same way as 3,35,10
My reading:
3,37,10
